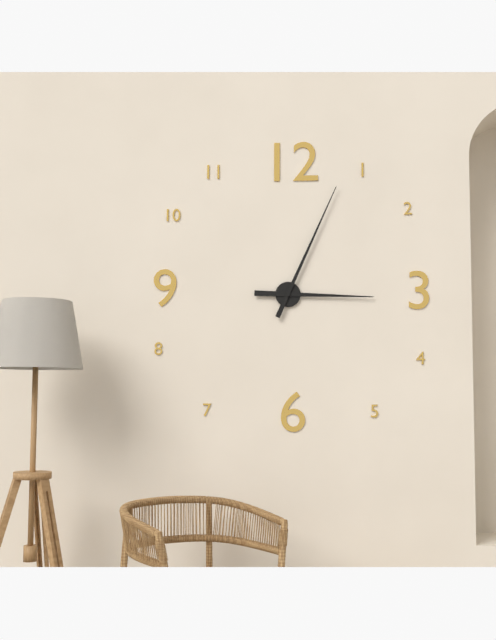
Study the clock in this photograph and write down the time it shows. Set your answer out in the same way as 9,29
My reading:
3,04
